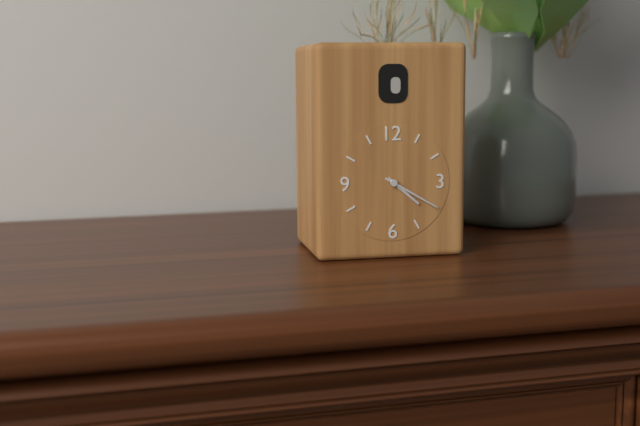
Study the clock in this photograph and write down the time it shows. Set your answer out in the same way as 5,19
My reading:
4,20
